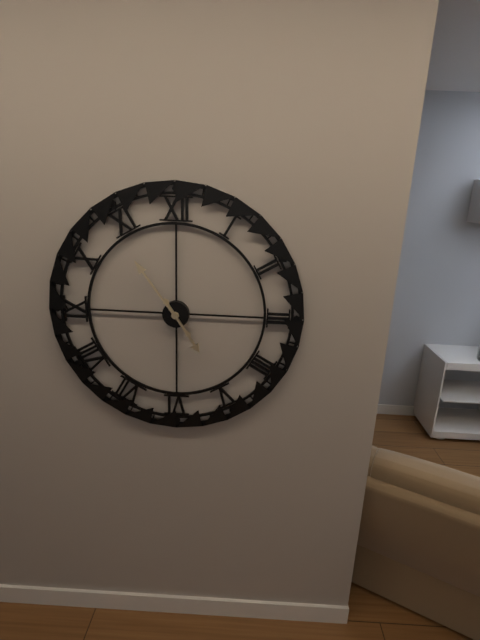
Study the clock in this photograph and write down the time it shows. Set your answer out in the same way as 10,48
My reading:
4,54
